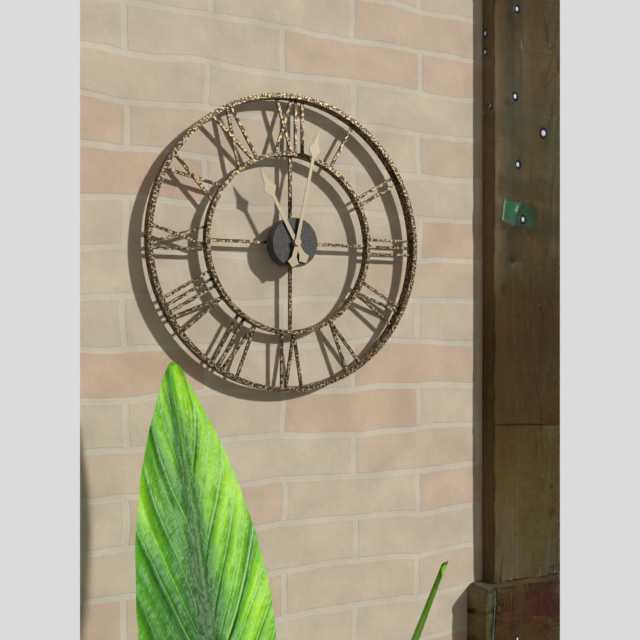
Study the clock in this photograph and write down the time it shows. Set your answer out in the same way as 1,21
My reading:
11,02
